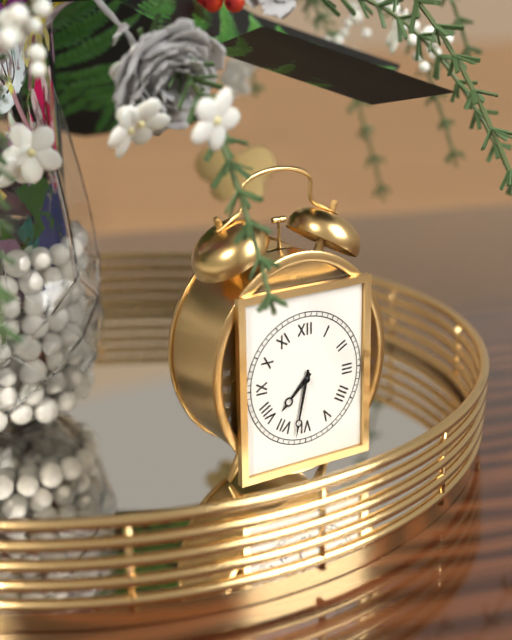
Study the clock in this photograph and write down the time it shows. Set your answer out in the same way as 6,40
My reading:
7,32
